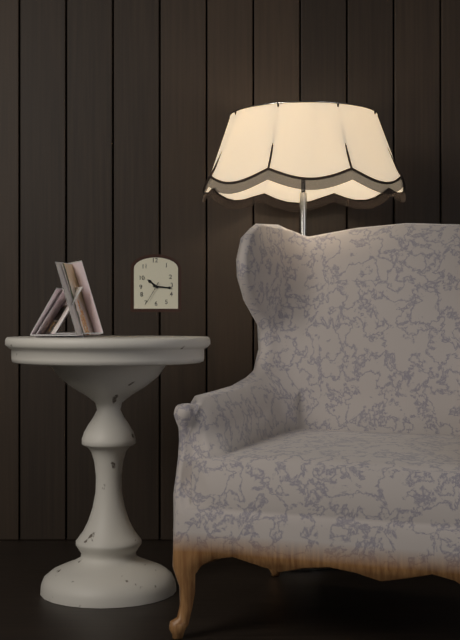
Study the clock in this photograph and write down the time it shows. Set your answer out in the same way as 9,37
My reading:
10,16
